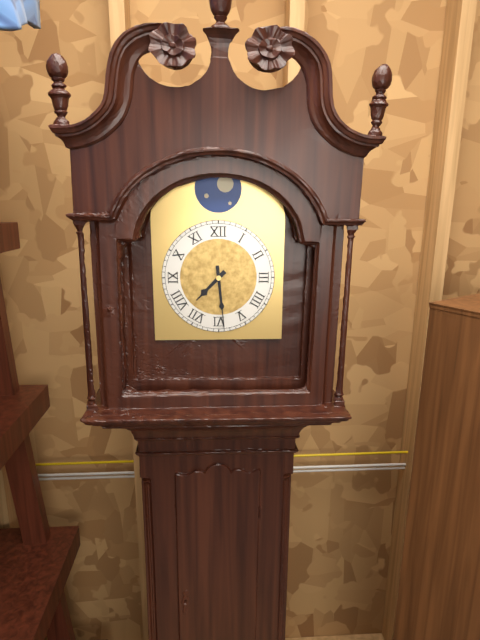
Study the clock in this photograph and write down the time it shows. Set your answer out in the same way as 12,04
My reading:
7,29
